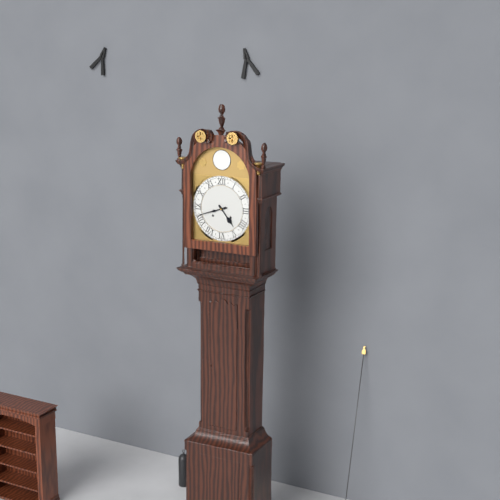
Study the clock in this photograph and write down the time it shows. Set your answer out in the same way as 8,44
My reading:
4,42
